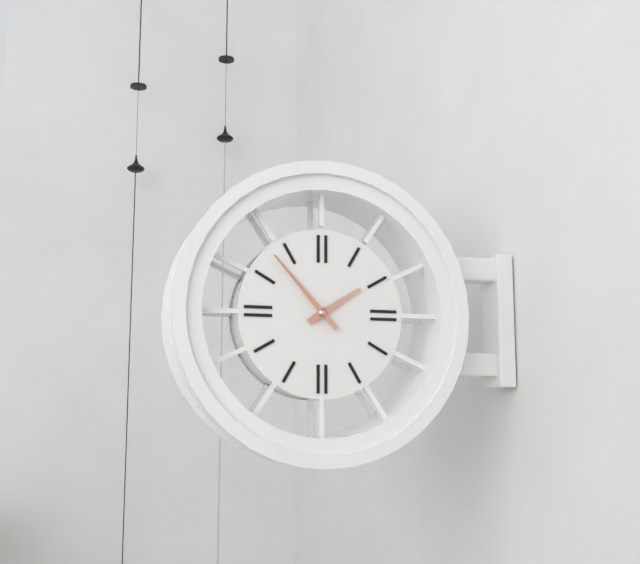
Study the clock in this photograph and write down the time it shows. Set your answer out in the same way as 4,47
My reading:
1,53
